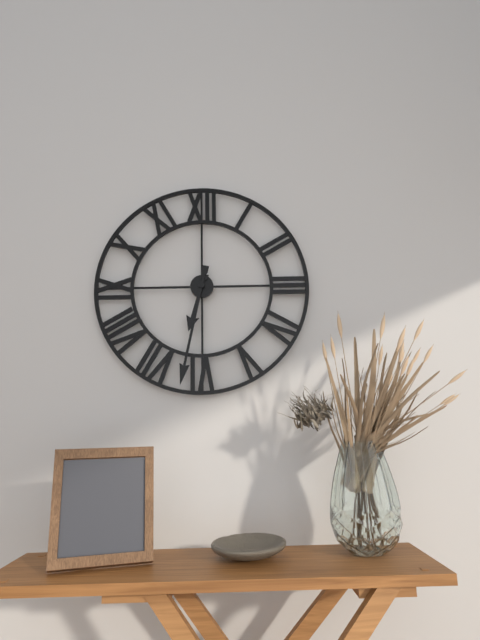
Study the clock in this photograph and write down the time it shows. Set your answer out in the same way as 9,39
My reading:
6,32
